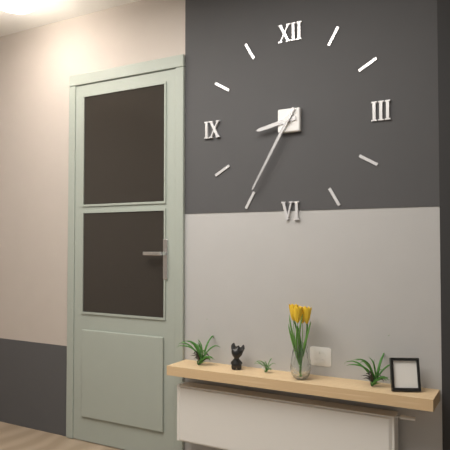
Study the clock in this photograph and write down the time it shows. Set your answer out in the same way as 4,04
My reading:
8,35
